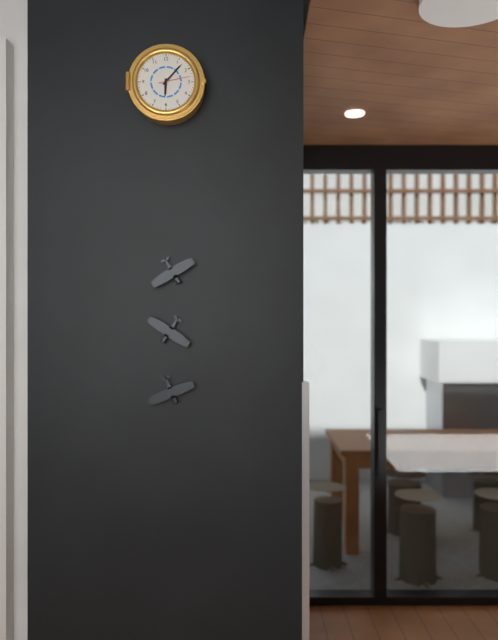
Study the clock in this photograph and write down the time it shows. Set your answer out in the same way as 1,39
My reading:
6,07
